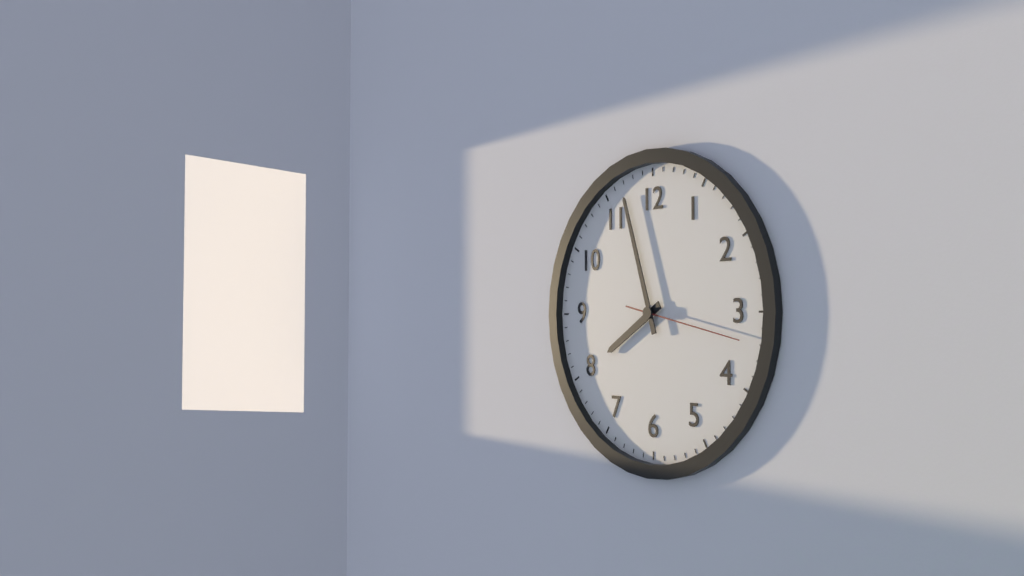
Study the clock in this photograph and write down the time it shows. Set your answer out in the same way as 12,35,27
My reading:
7,57,17
